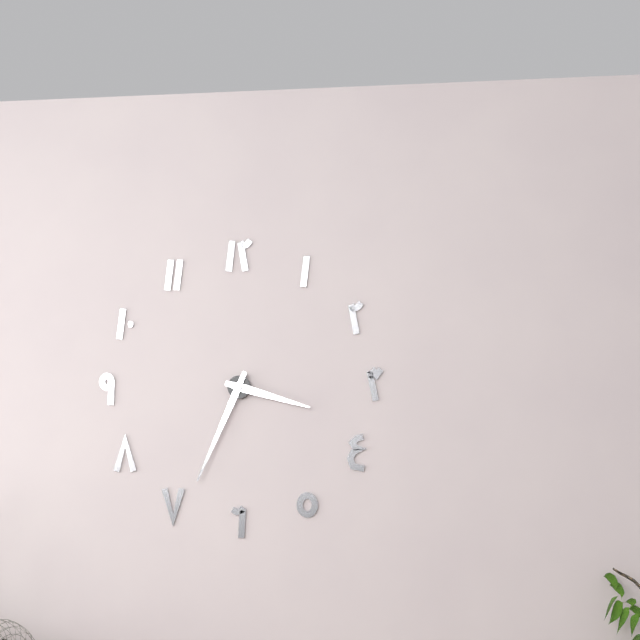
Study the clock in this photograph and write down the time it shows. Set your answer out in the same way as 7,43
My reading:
3,34
